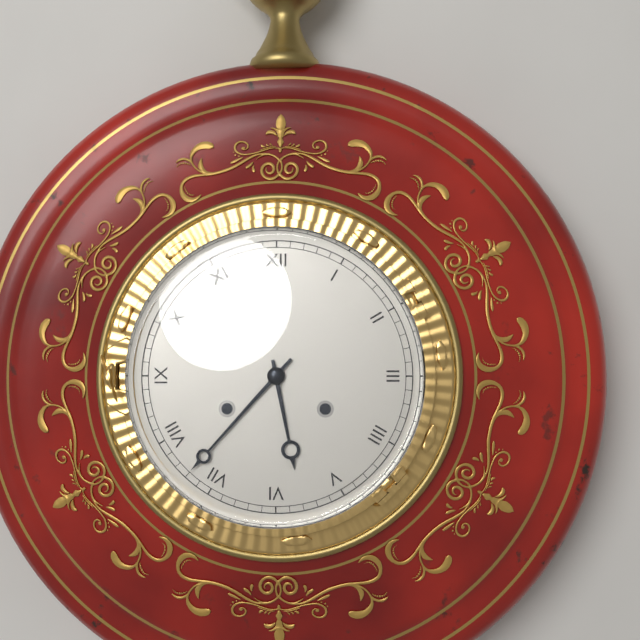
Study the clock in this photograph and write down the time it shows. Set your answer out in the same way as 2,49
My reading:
5,37
